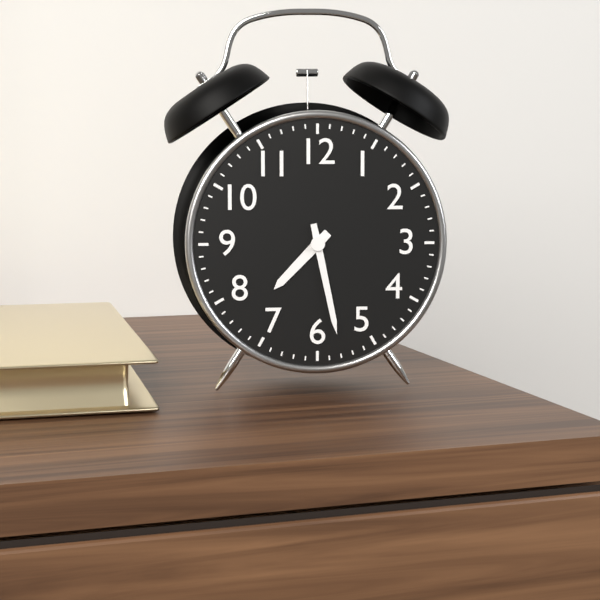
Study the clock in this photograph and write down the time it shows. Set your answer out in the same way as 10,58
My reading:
7,28
